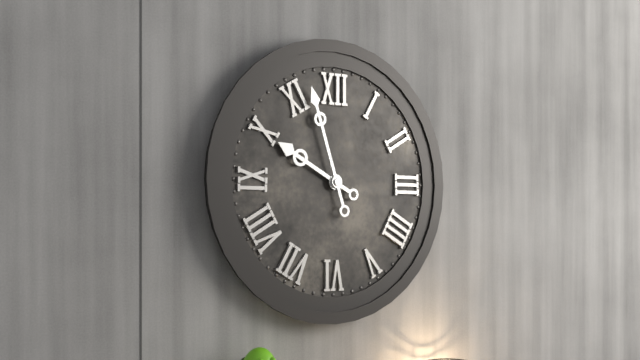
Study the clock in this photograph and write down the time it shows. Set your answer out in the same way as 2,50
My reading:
9,57
